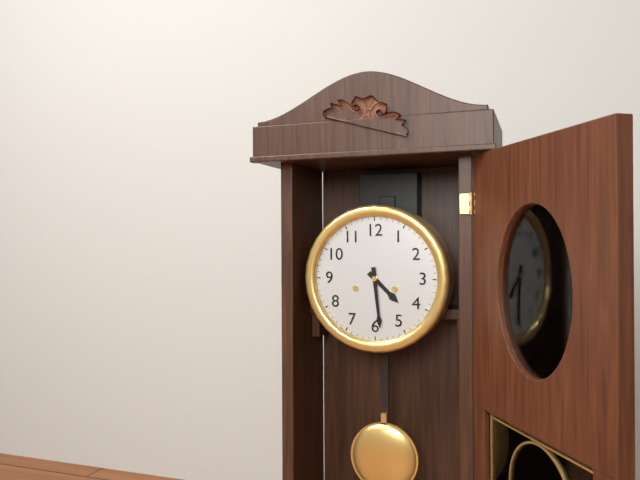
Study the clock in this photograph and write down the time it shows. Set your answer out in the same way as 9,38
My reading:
4,29
